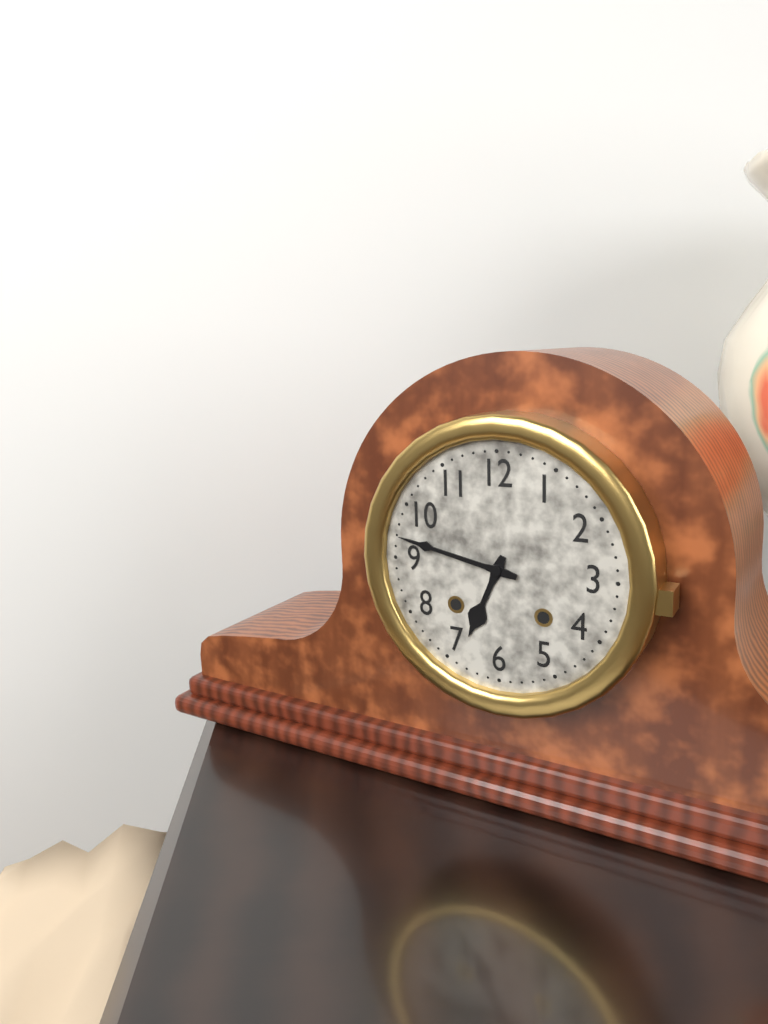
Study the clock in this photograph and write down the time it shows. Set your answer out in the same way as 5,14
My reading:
6,47
